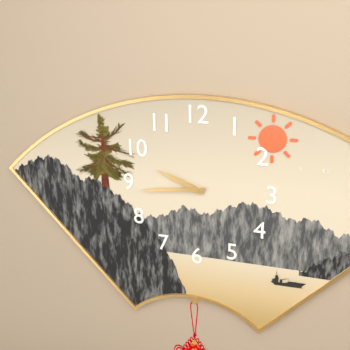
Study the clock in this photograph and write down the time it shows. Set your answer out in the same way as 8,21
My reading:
9,44
